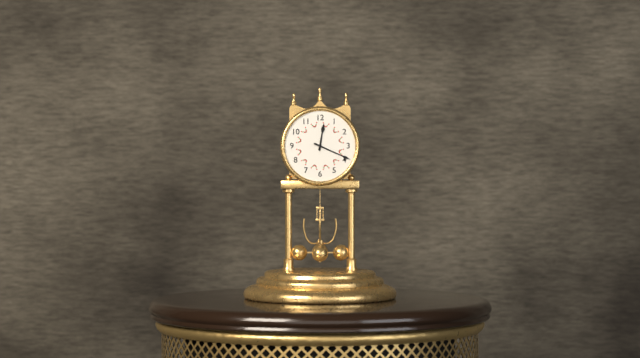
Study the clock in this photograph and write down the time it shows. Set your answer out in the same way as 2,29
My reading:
12,19
